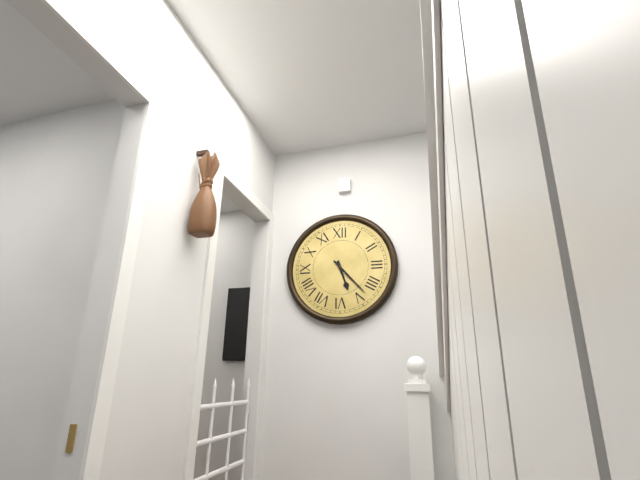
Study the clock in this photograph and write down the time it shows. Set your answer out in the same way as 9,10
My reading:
5,23
